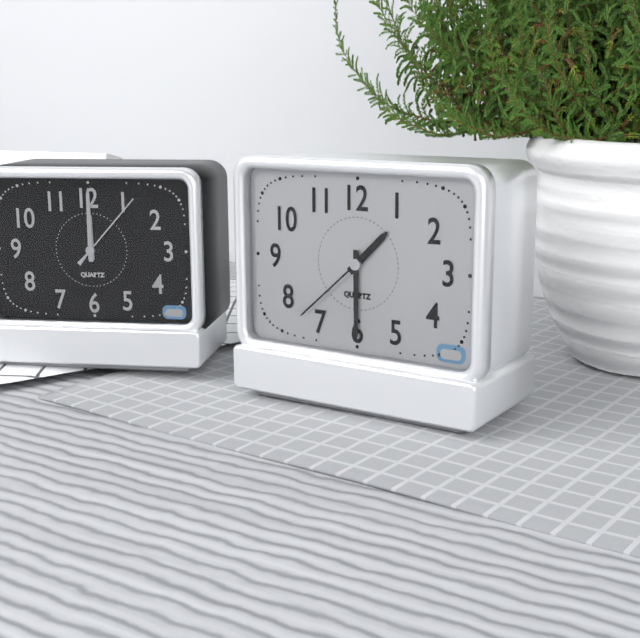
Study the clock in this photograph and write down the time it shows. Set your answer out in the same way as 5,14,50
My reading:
1,30,38
